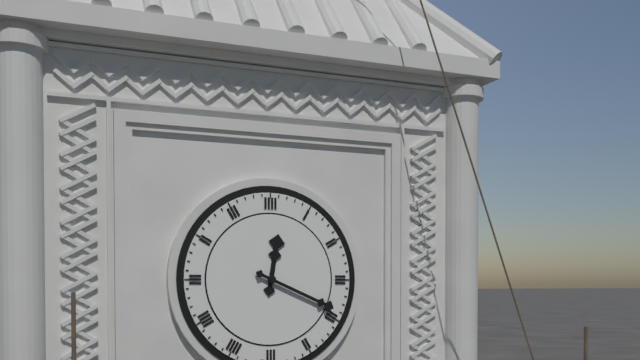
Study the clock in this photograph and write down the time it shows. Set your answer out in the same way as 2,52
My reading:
12,19
